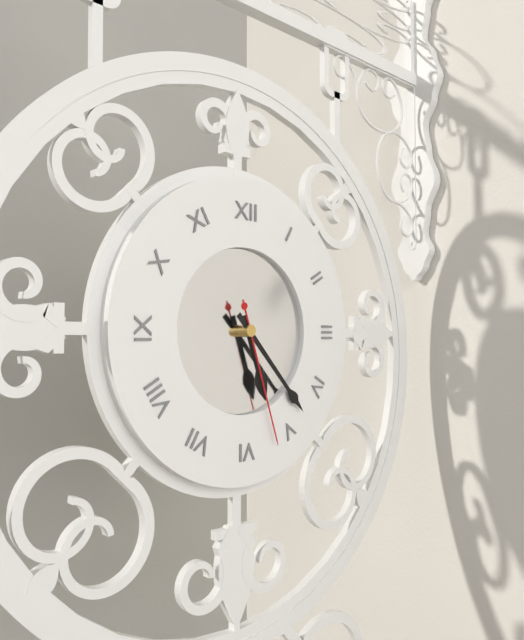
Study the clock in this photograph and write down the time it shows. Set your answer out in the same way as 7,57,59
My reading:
5,23,27
